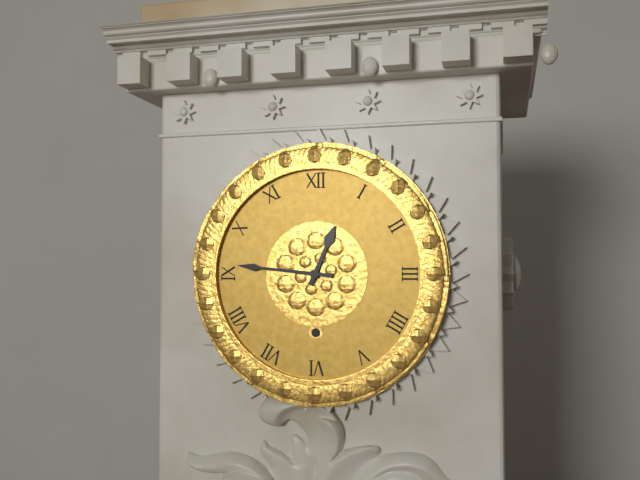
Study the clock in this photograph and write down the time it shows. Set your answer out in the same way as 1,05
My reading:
12,46
